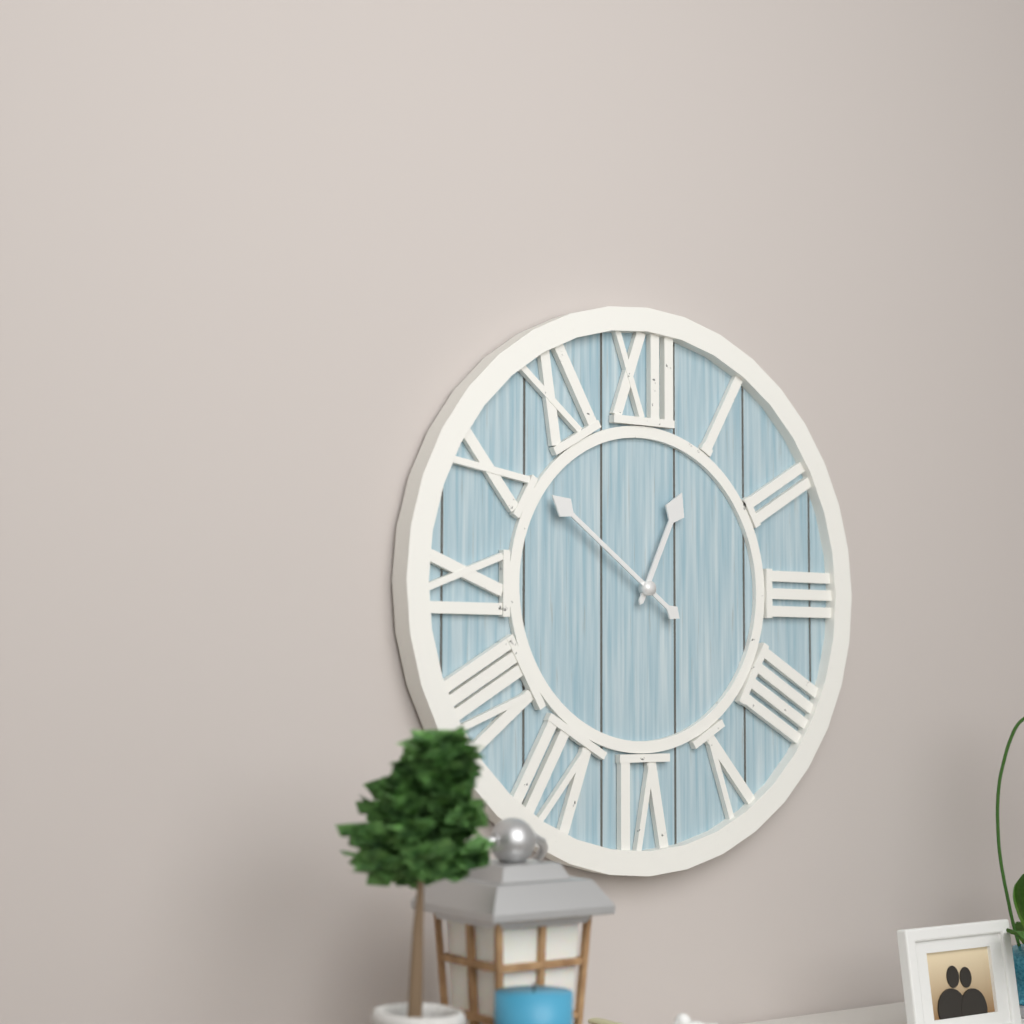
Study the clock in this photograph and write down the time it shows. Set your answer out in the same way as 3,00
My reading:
12,51
